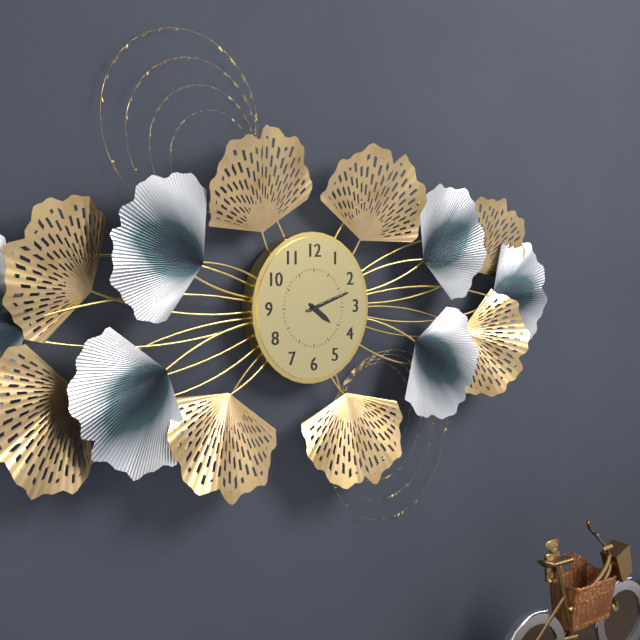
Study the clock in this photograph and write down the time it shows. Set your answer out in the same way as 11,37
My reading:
4,12
